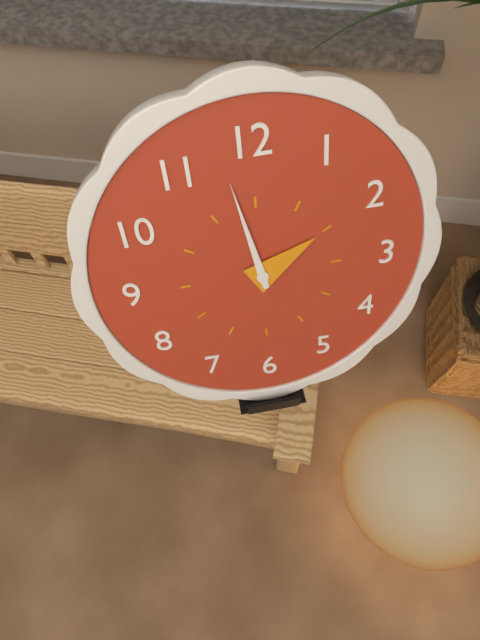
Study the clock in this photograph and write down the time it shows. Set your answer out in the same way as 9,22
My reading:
1,58
